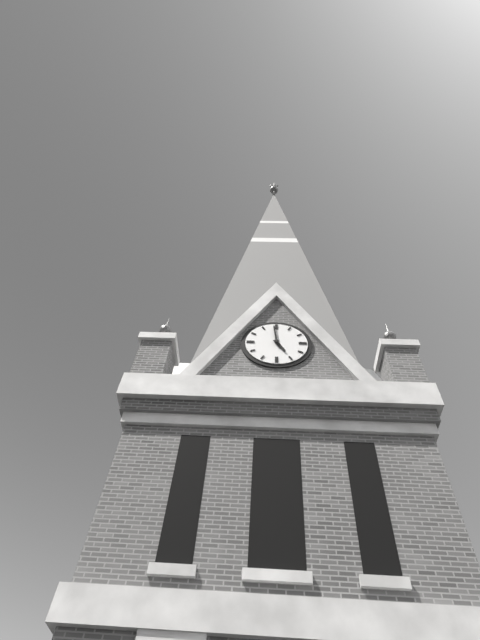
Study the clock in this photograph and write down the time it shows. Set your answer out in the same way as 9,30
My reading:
4,59
